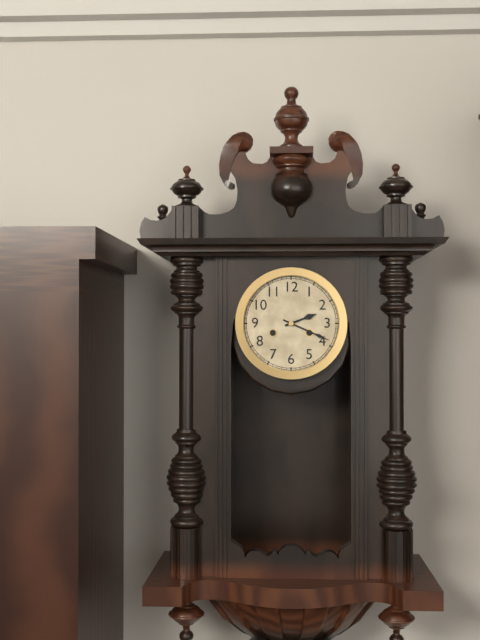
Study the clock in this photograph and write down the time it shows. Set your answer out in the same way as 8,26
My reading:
2,19
